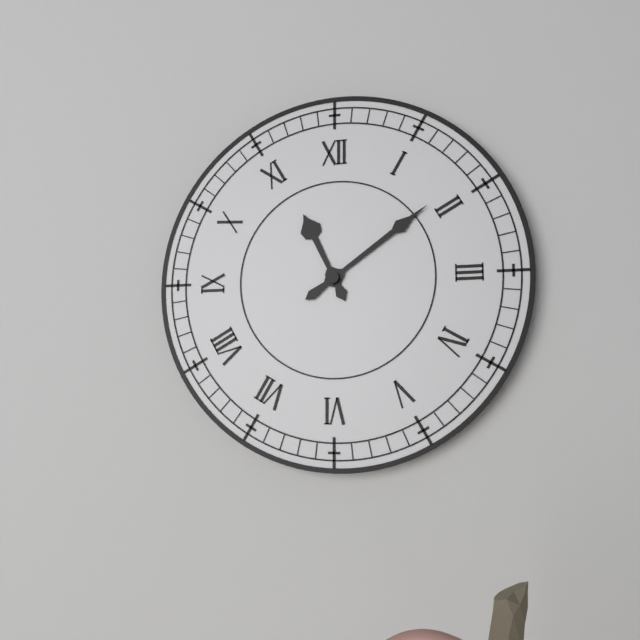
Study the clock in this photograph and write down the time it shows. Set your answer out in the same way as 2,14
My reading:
11,09
